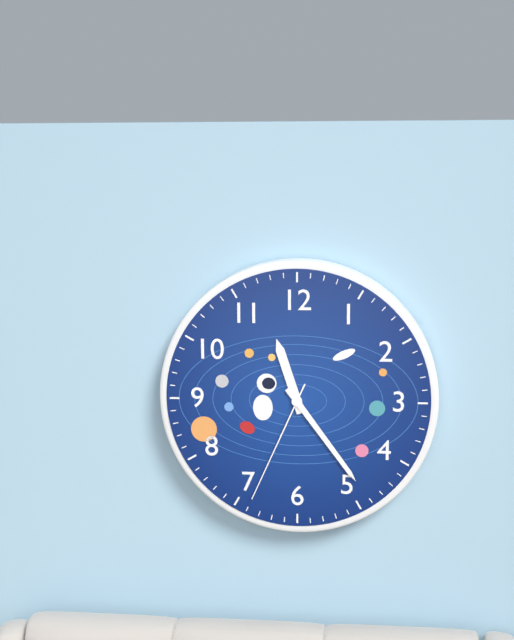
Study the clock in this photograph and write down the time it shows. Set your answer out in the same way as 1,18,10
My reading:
11,24,34
